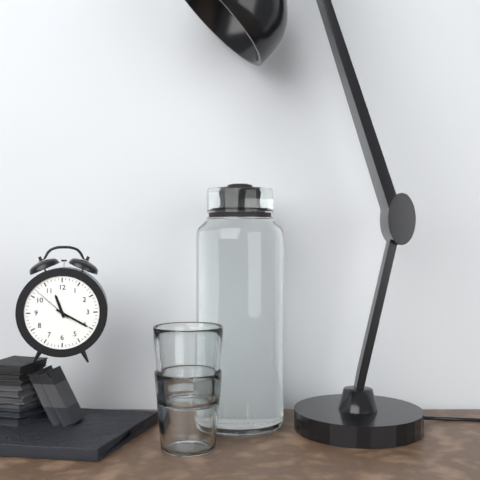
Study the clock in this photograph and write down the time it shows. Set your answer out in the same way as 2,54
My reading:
11,20
